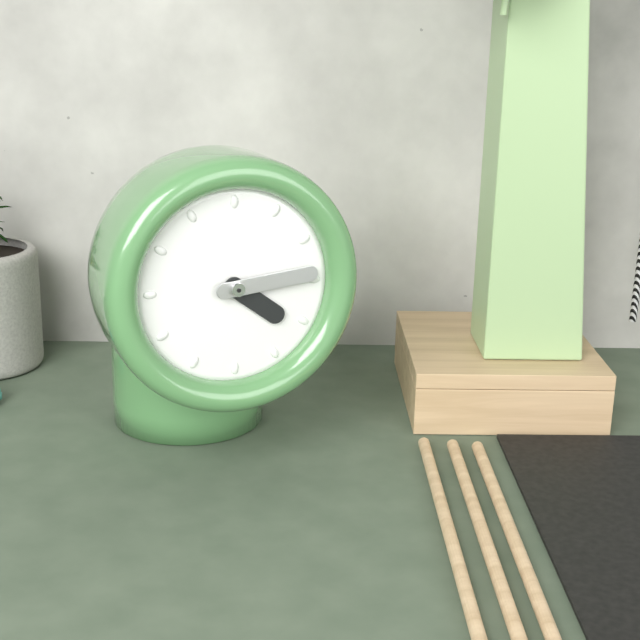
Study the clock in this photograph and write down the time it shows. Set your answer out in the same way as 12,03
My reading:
4,14
